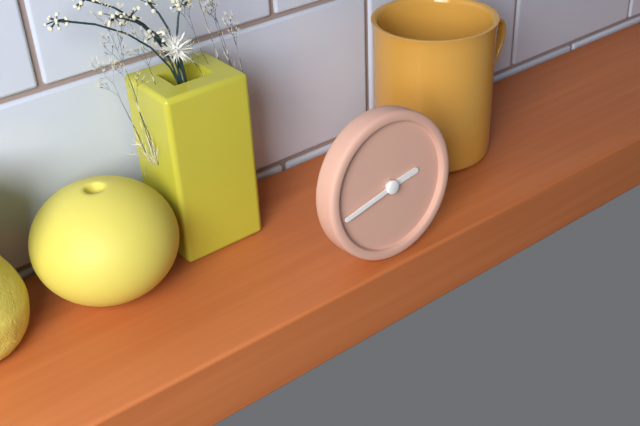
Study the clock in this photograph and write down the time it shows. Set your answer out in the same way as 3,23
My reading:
2,43
